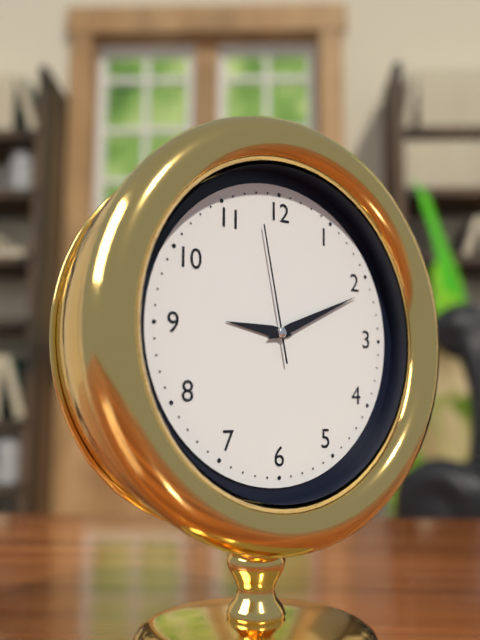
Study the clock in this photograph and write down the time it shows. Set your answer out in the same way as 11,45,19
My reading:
9,11,58
